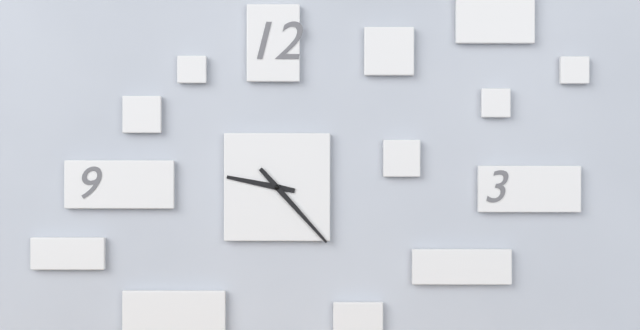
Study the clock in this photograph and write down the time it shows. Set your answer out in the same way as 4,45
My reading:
9,23
